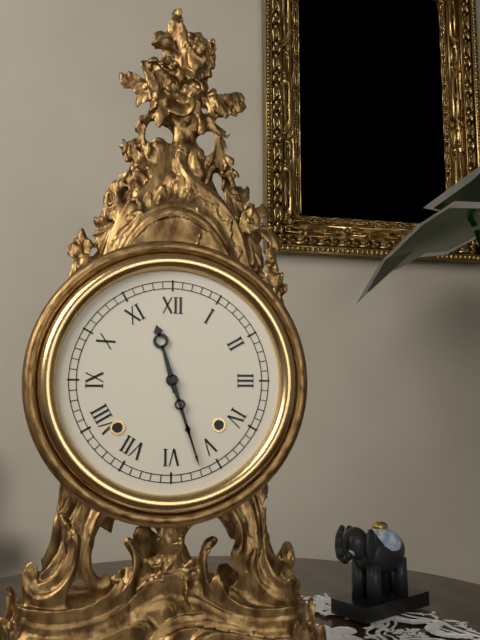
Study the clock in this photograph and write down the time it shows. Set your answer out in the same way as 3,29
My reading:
11,27
